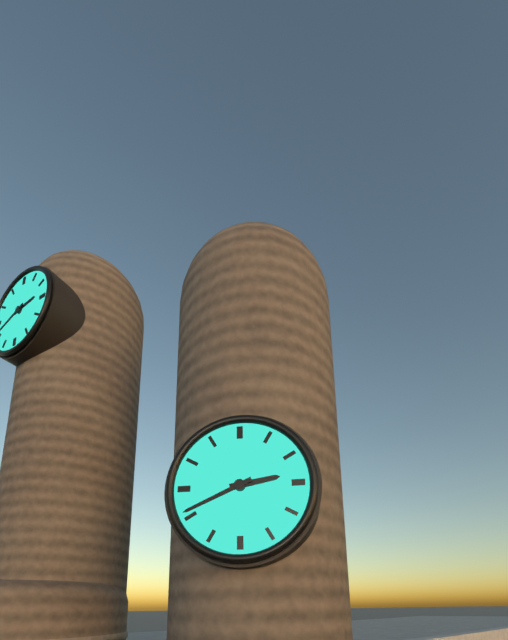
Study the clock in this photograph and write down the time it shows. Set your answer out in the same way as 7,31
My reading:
2,41
